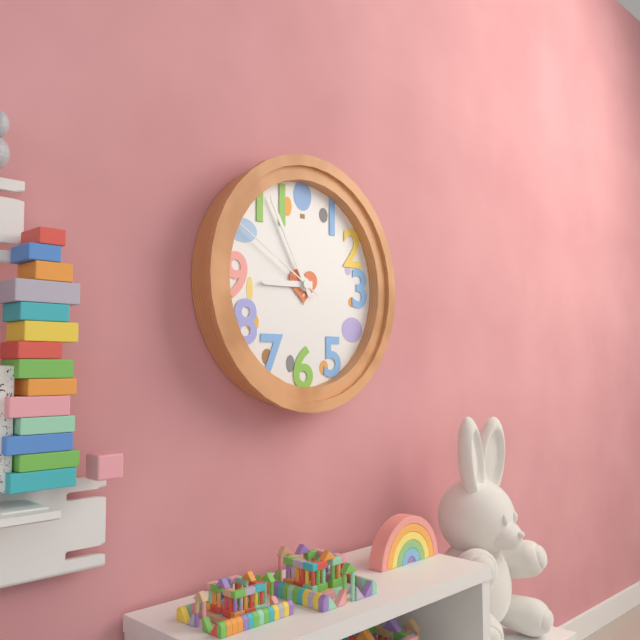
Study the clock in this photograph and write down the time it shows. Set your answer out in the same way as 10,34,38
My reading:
8,55,50
